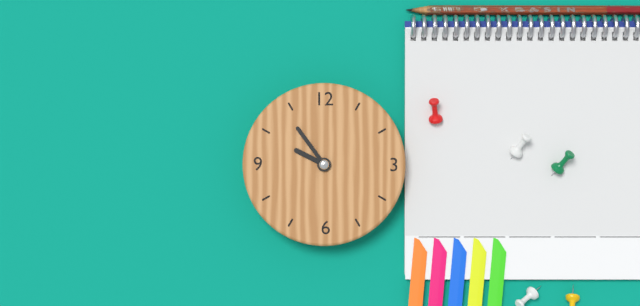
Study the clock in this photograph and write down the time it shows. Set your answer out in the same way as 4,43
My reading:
9,54
